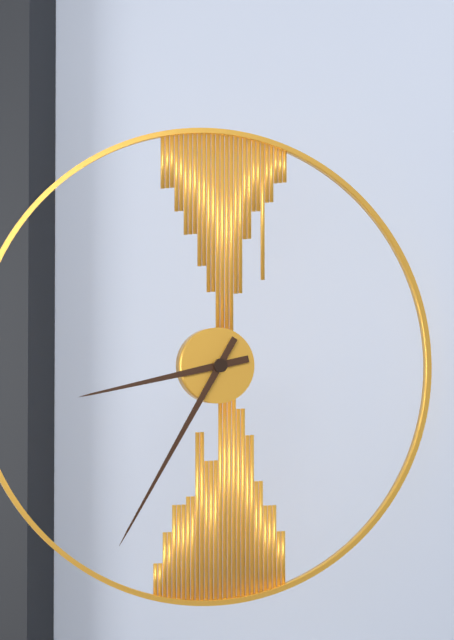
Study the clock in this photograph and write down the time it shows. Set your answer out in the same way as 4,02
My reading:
8,35
